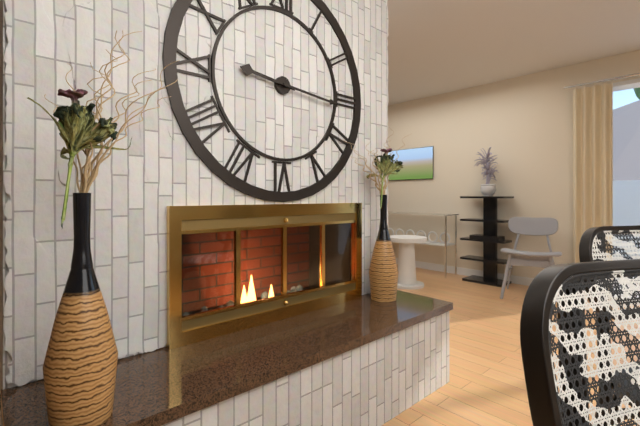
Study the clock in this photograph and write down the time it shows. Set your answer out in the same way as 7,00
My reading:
9,16
